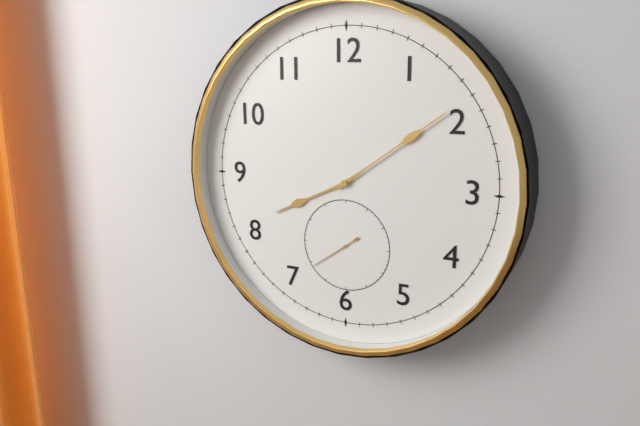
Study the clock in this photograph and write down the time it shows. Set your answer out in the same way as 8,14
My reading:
8,09
